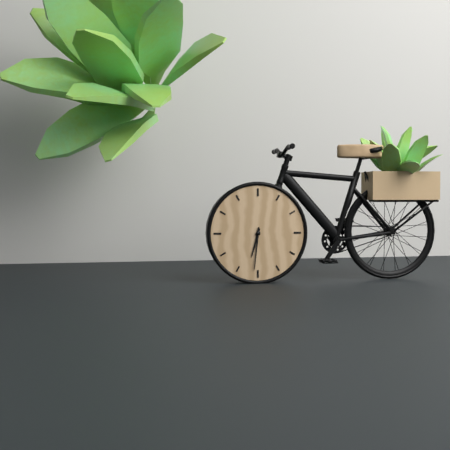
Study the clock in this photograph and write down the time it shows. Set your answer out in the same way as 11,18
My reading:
6,31
